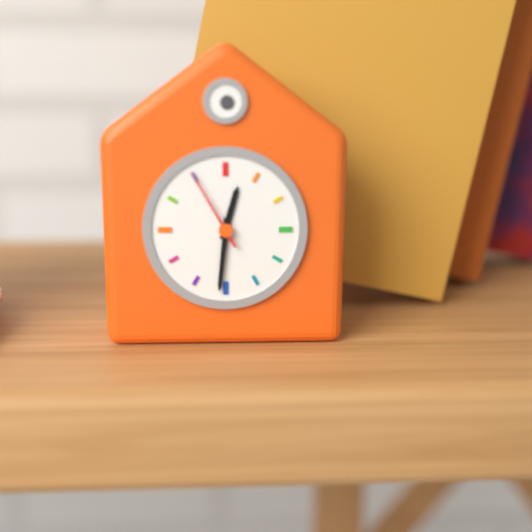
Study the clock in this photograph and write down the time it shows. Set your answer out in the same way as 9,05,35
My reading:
12,31,55
